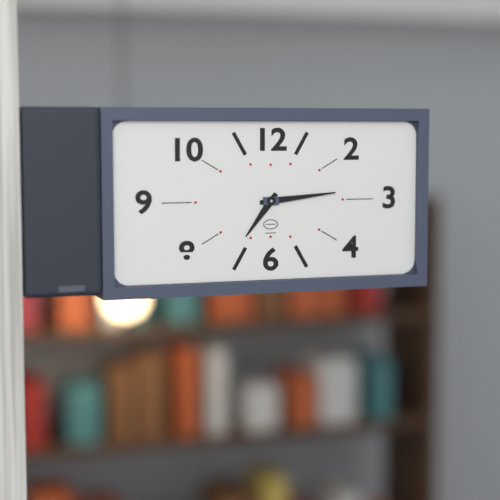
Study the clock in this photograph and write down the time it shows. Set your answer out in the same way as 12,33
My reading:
7,14
